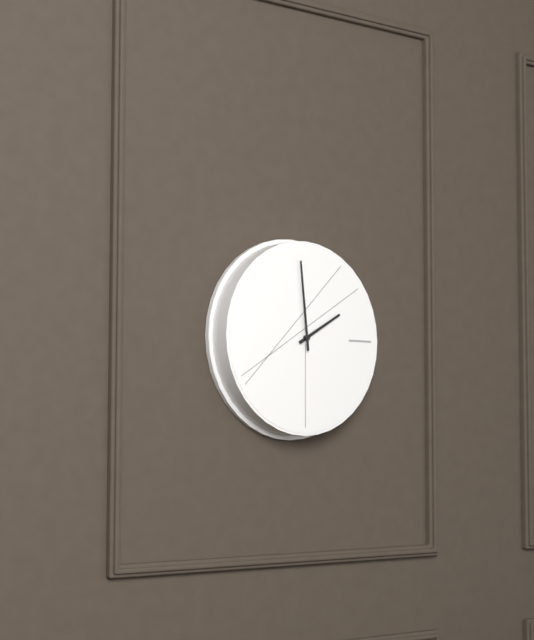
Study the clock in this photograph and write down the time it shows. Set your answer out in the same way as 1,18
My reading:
1,59
